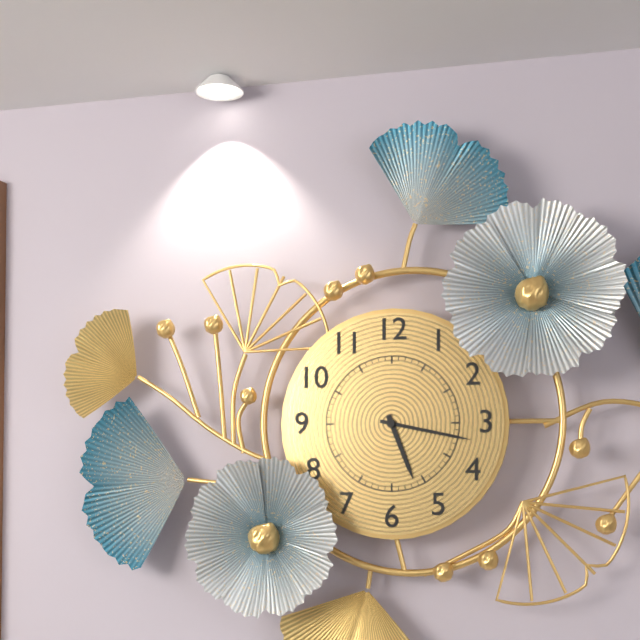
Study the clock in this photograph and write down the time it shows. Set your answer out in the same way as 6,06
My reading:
5,17
